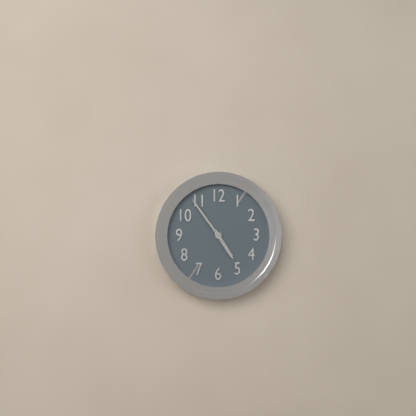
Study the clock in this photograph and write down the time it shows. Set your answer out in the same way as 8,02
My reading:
4,54
